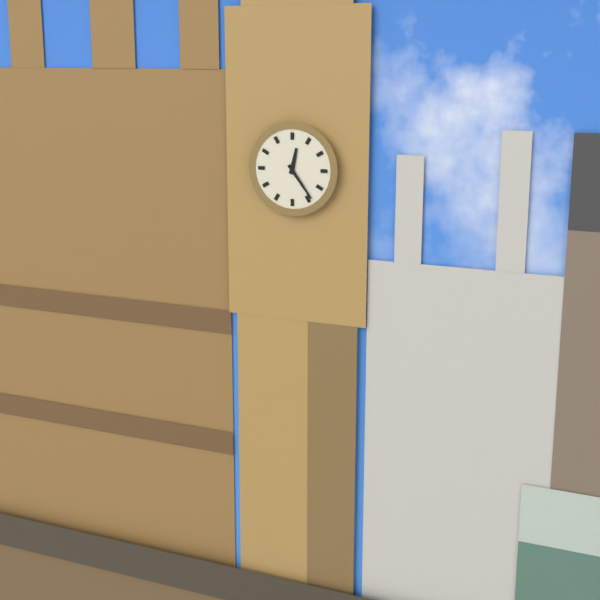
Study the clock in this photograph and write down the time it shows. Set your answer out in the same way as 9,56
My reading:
12,24
